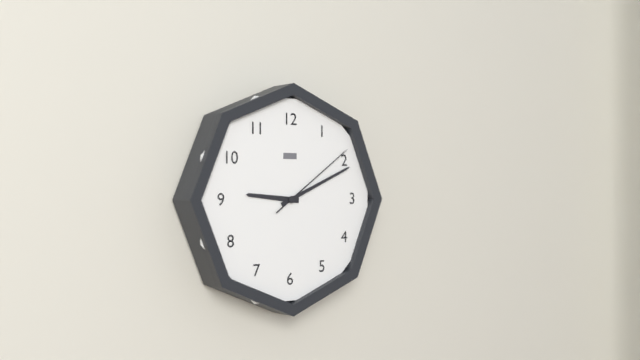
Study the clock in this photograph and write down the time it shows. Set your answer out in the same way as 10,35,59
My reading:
9,11,09
